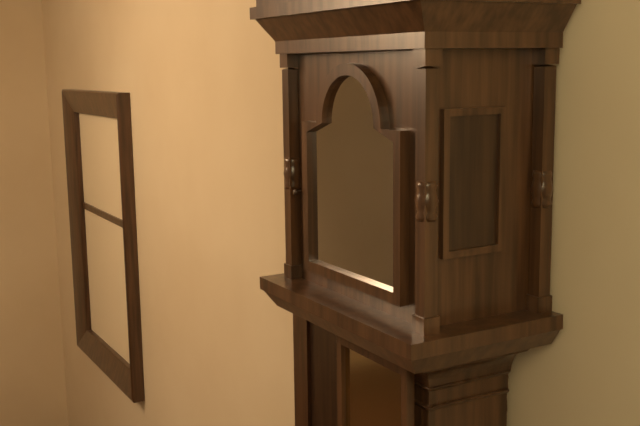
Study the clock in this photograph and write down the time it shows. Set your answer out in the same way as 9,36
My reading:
6,07
